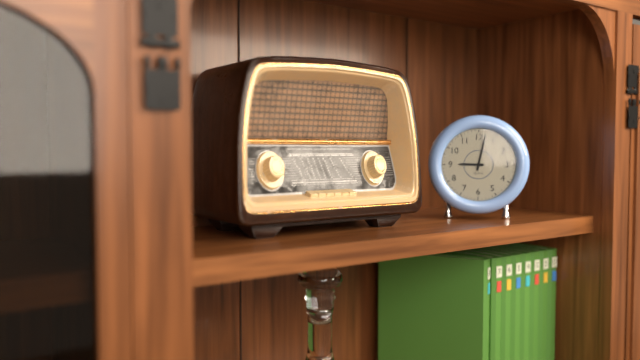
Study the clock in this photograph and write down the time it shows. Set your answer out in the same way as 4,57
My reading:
9,02
